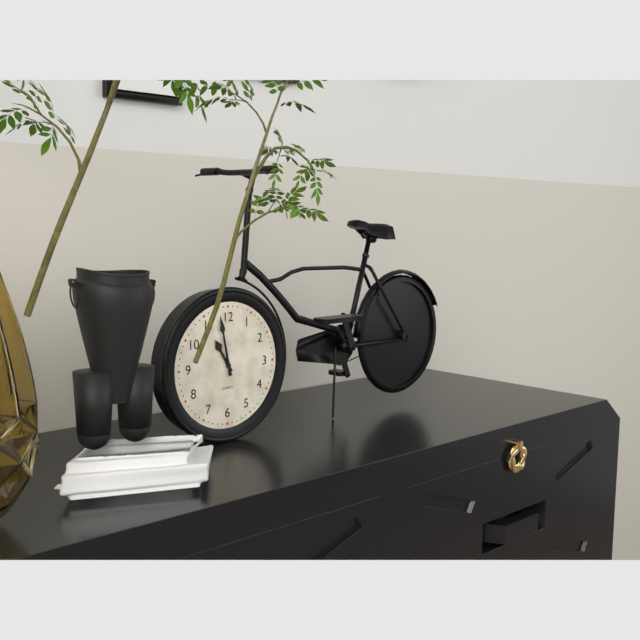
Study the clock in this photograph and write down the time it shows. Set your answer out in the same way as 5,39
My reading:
10,58
